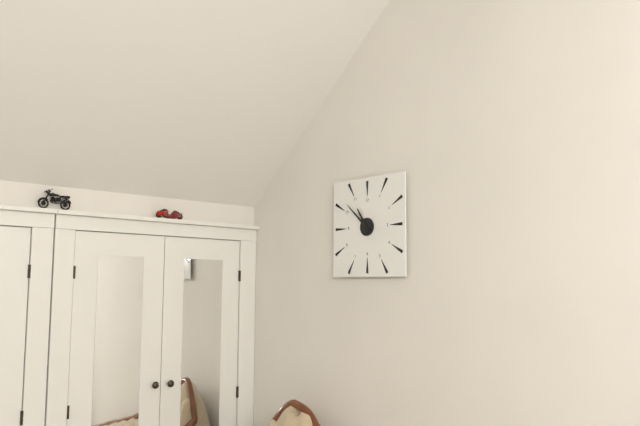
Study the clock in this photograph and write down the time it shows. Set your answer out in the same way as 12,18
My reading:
10,52
